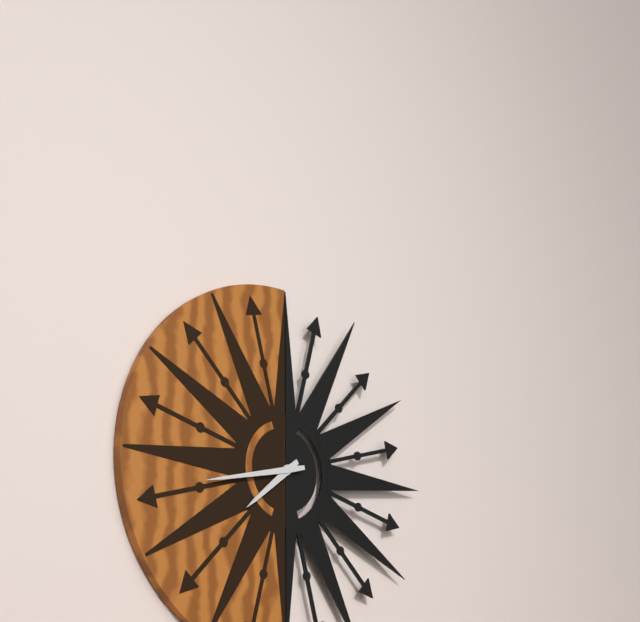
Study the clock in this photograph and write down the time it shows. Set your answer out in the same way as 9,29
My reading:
7,43
